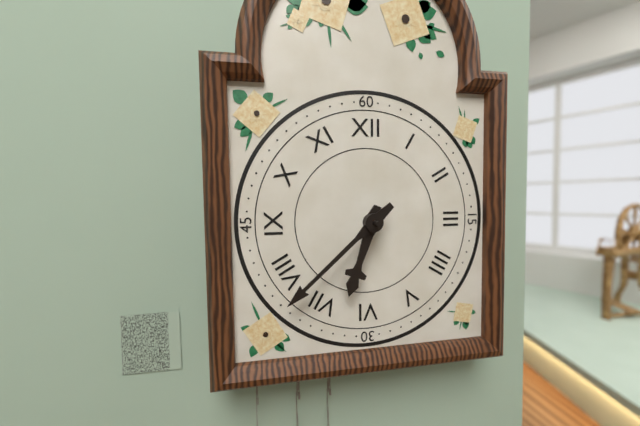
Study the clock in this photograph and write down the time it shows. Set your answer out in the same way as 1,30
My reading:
6,38
